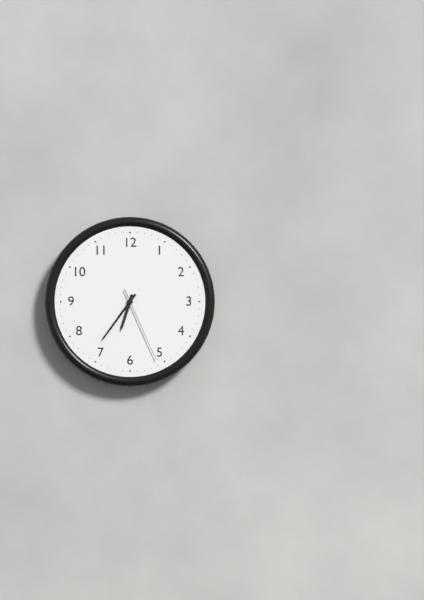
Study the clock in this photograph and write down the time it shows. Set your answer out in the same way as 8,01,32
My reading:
6,36,26
